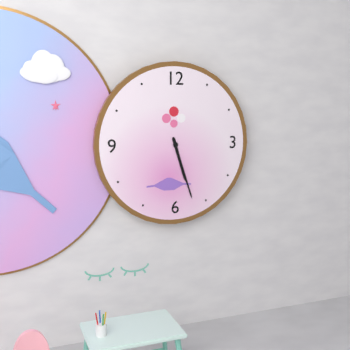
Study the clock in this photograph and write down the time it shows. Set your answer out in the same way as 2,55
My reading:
5,27
